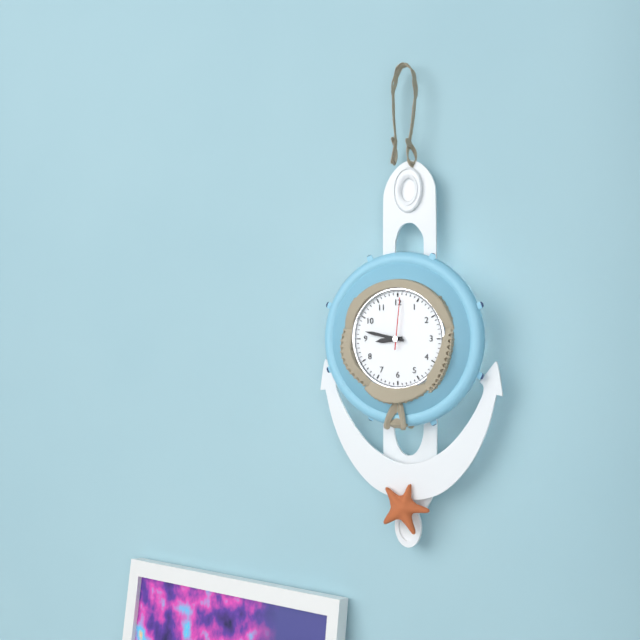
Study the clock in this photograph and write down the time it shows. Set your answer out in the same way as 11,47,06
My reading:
8,47,01
